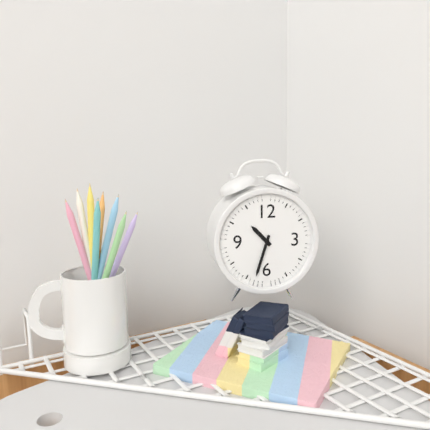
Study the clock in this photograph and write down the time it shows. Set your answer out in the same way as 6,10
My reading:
10,33
